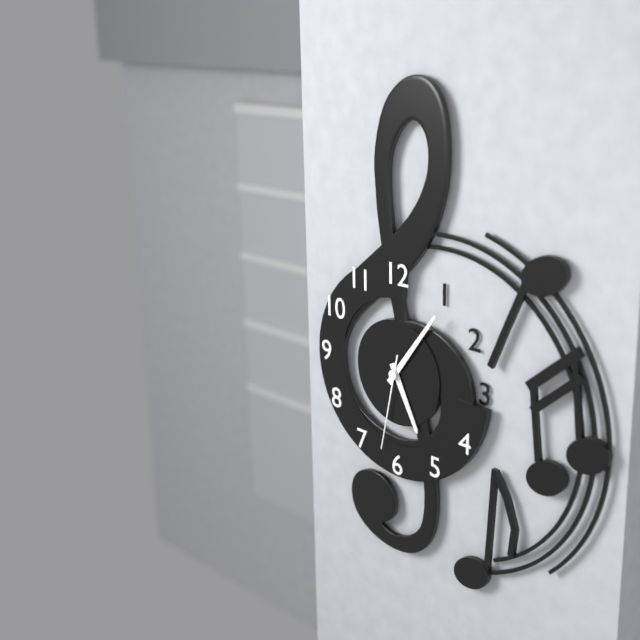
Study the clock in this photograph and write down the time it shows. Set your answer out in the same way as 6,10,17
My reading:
5,06,32
